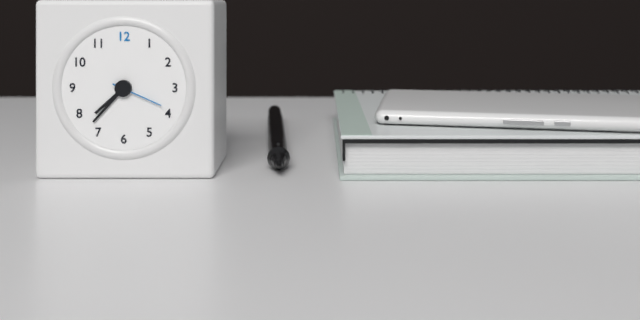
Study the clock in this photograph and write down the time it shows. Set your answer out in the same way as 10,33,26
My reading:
7,37,19
